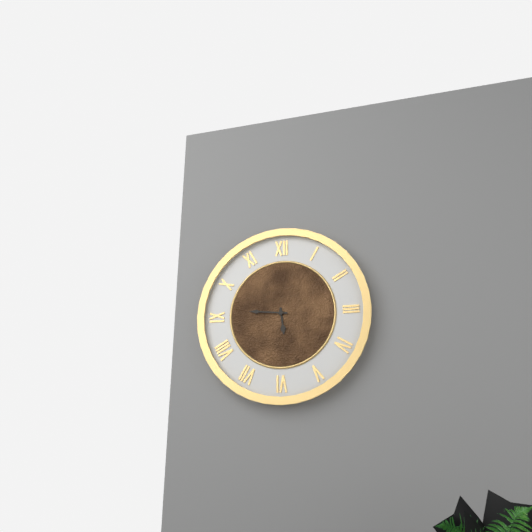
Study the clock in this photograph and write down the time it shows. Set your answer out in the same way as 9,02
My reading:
5,46
